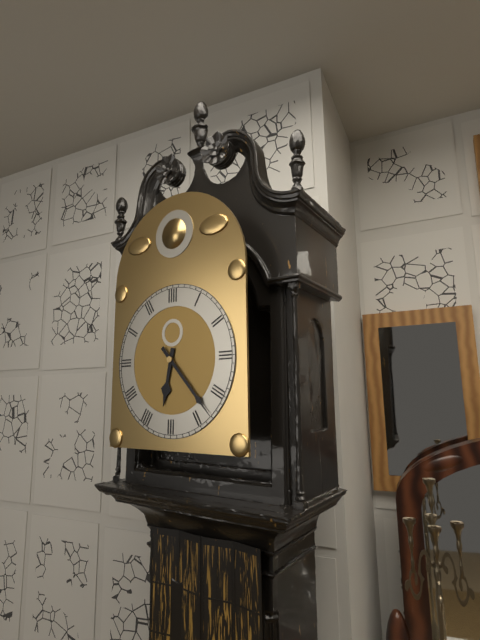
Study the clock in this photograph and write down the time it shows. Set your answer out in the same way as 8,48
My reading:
6,23
